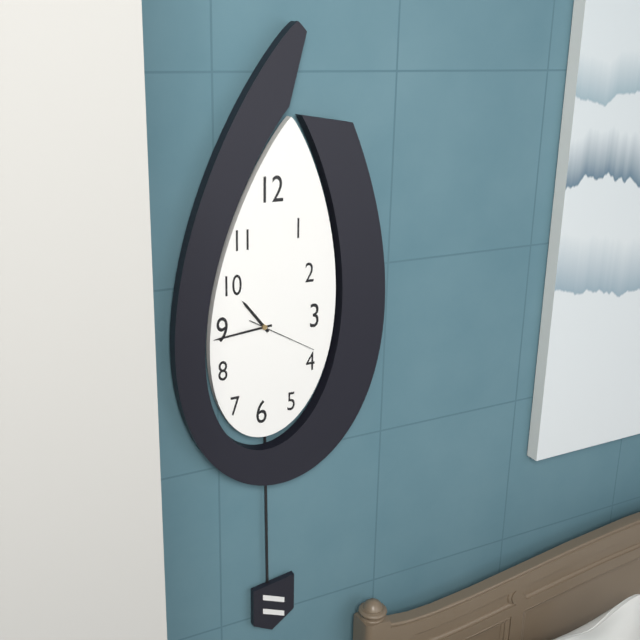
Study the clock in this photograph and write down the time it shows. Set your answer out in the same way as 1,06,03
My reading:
10,44,20
